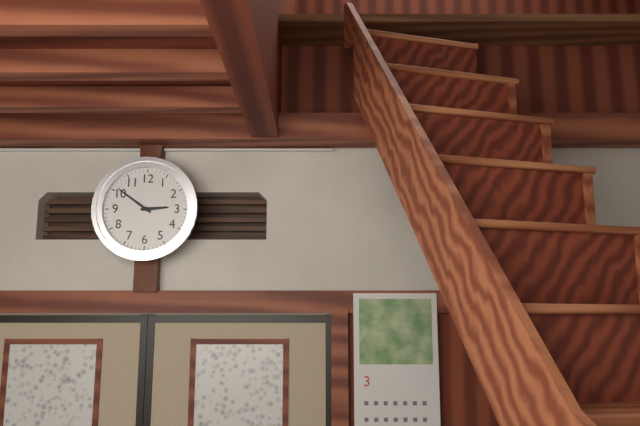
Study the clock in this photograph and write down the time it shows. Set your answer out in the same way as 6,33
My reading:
2,51
